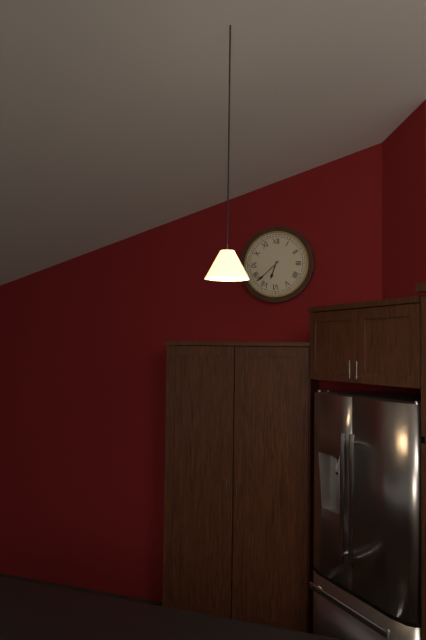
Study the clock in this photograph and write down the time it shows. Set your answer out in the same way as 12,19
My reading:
6,38
